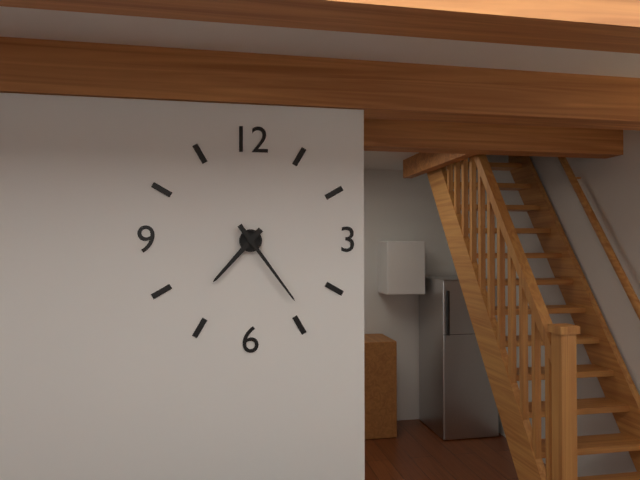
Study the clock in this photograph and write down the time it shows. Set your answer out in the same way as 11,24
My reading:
7,24
